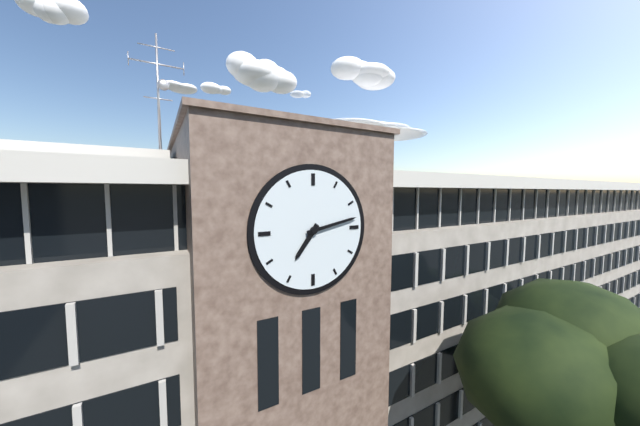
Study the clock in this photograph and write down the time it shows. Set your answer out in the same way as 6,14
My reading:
7,13
